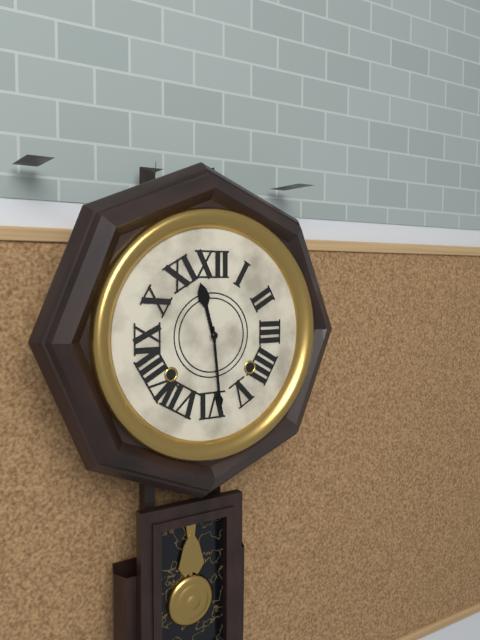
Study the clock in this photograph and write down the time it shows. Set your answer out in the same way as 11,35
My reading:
11,29
